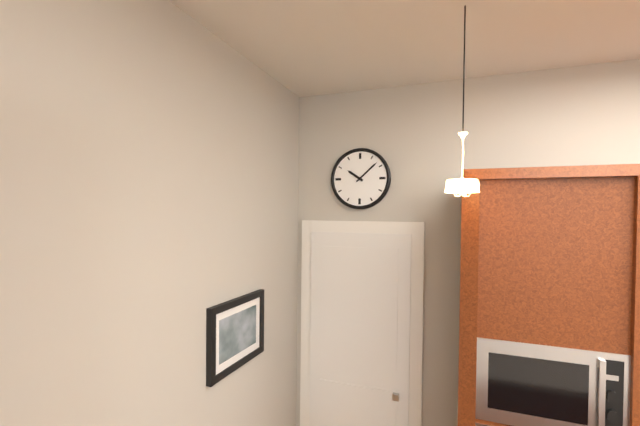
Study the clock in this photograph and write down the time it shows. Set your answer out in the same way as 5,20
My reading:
10,08
